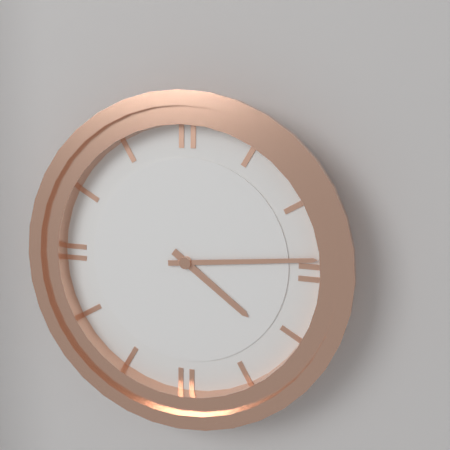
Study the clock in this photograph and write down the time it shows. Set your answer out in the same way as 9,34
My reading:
4,14
